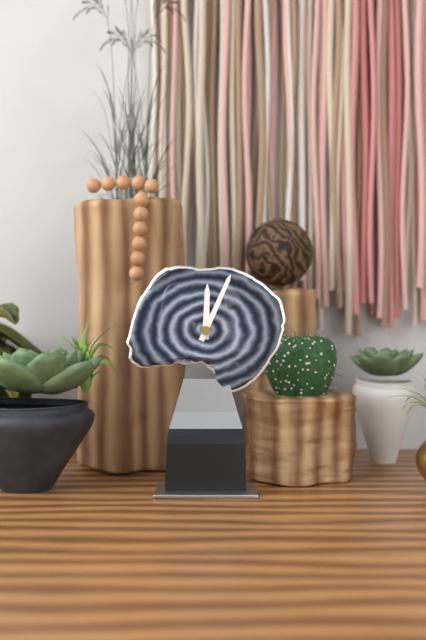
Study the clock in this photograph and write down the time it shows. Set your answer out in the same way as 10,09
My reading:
12,04
